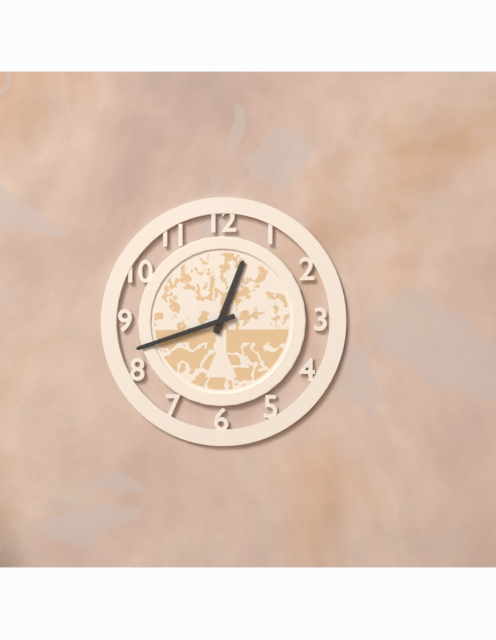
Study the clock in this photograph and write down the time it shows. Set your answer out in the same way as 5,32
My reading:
12,42
